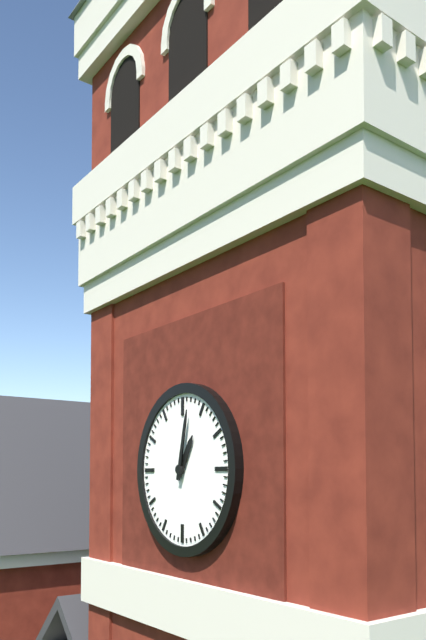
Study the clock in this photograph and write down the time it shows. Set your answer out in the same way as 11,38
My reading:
1,02
